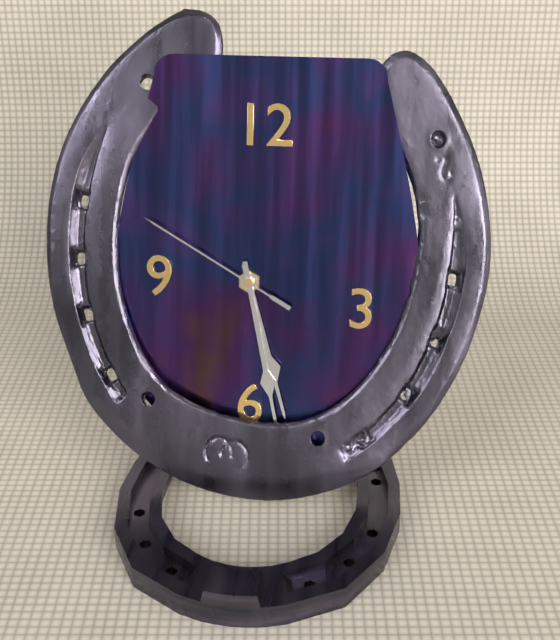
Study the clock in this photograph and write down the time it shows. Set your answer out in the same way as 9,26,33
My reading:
5,28,50
